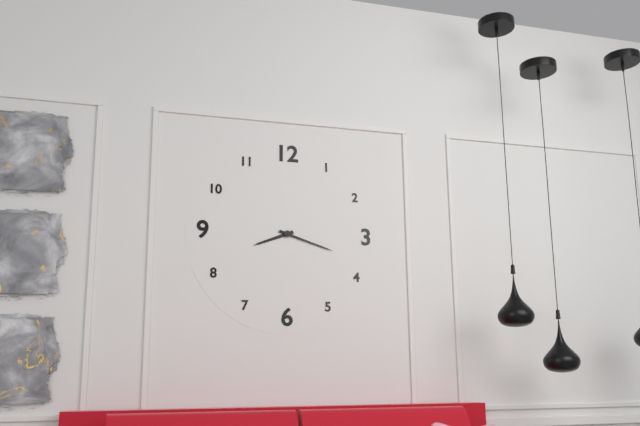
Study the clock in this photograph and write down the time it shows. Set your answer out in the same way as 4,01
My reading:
8,18
